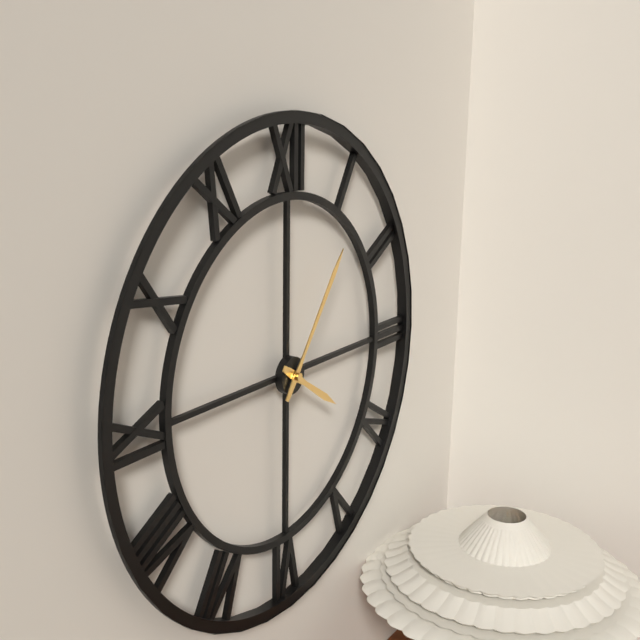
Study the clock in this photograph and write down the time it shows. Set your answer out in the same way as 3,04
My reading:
4,06
